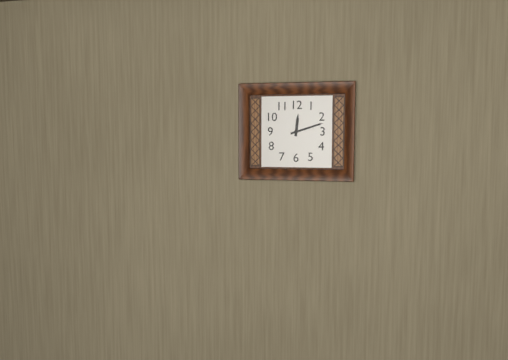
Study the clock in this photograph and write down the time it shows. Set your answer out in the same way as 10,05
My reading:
12,12
